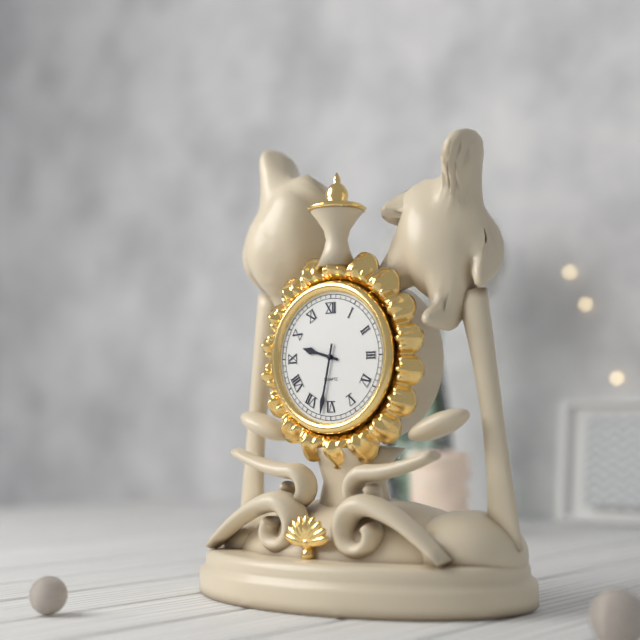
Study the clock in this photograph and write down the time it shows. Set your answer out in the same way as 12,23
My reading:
9,32
